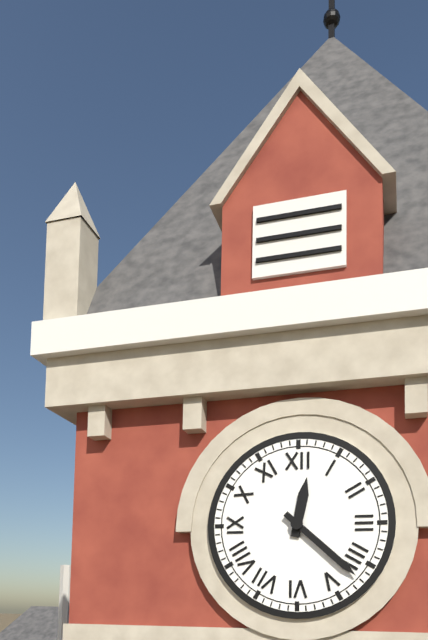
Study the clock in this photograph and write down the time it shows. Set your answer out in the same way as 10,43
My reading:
12,22
